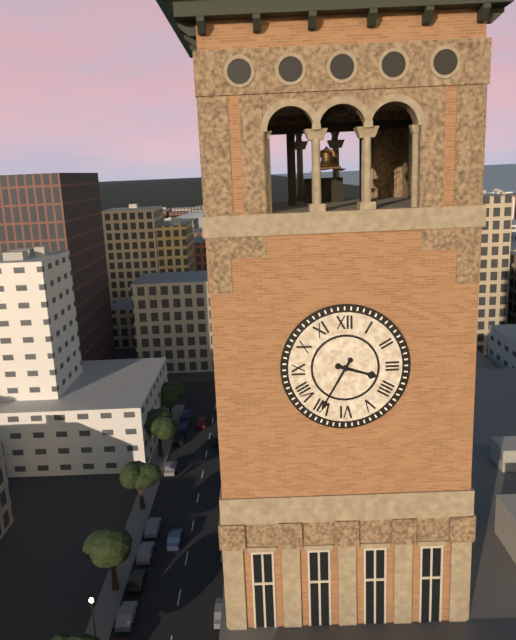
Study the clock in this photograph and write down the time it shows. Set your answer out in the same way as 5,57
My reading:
3,35
